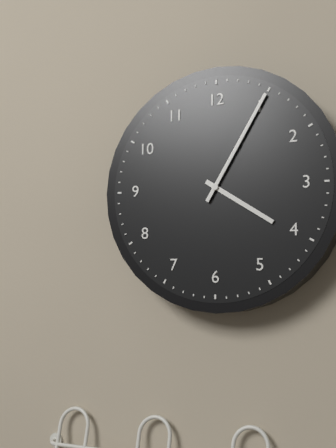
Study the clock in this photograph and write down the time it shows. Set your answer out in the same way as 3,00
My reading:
4,05
